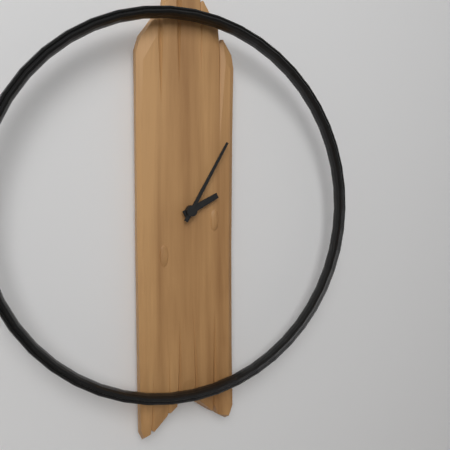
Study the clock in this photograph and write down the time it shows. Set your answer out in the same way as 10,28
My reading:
2,05
